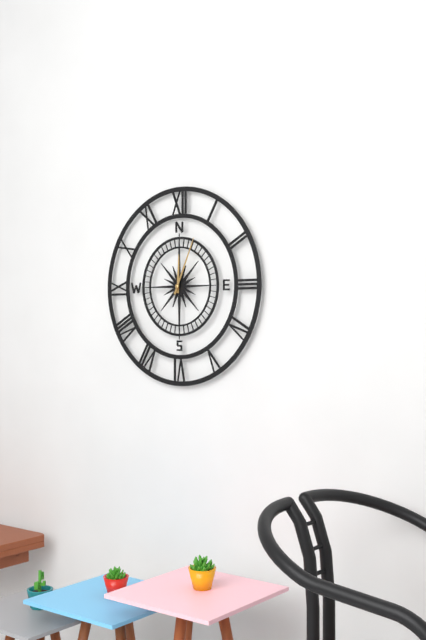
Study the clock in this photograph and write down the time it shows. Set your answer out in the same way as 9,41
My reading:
12,04
